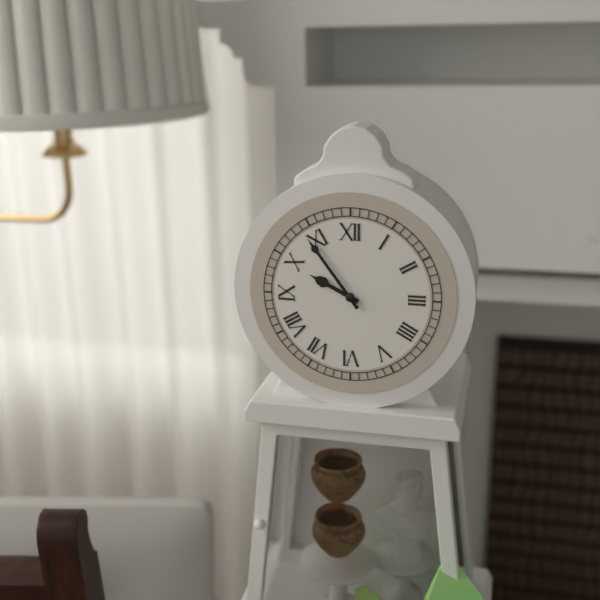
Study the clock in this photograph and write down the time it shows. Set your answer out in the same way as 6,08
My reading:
9,54
